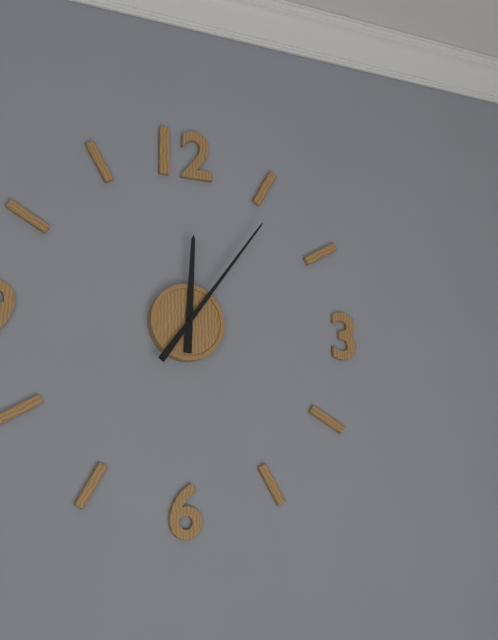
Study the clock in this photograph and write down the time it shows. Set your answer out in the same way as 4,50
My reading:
12,06
